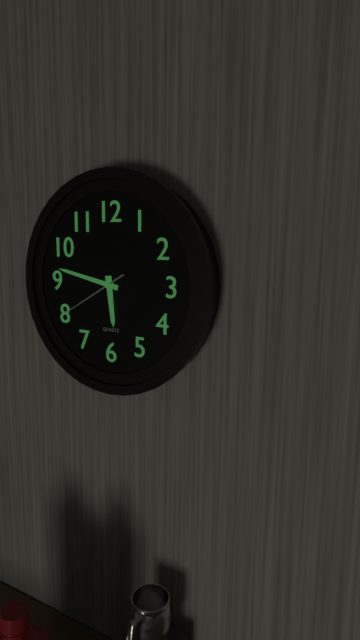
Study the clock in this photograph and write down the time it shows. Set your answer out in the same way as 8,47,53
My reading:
5,47,40
